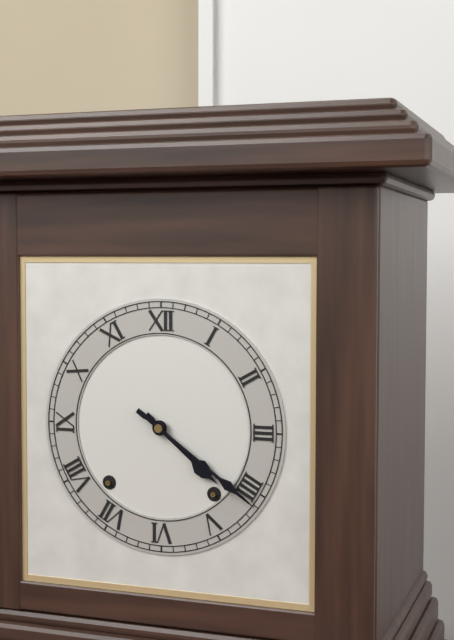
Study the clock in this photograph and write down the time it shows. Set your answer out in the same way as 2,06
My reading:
4,21
